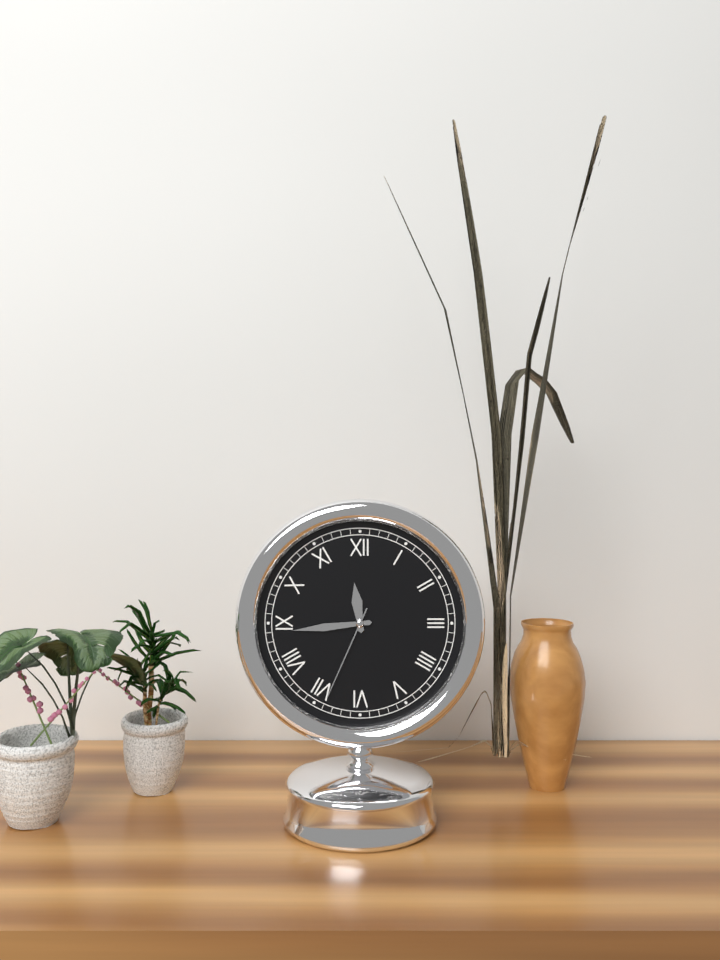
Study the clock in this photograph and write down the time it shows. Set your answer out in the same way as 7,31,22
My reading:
11,44,34
